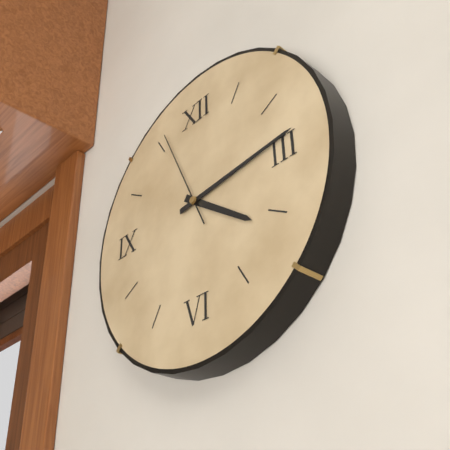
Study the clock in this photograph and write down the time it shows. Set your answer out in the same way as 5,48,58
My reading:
4,14,56
